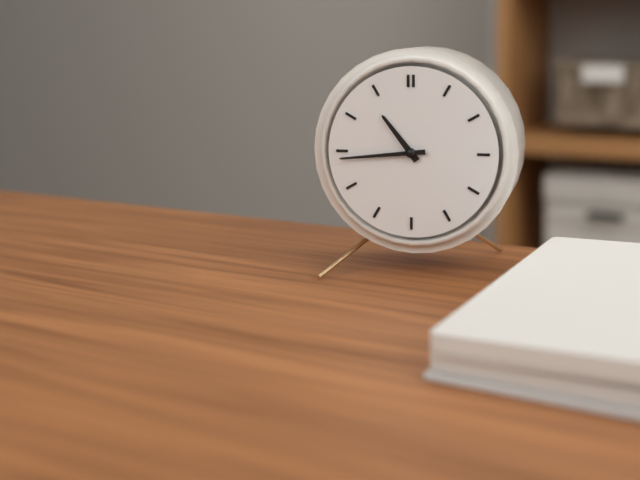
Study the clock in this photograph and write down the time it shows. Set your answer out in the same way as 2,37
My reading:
10,44
